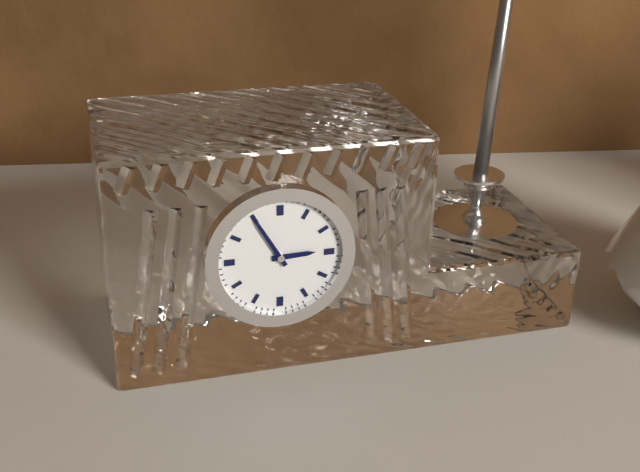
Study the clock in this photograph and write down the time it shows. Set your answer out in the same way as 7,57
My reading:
2,55
